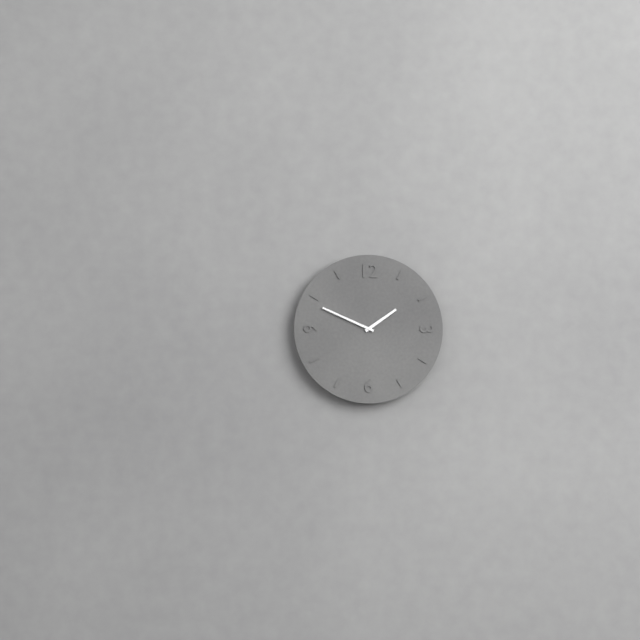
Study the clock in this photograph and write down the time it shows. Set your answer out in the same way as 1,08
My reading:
1,49
